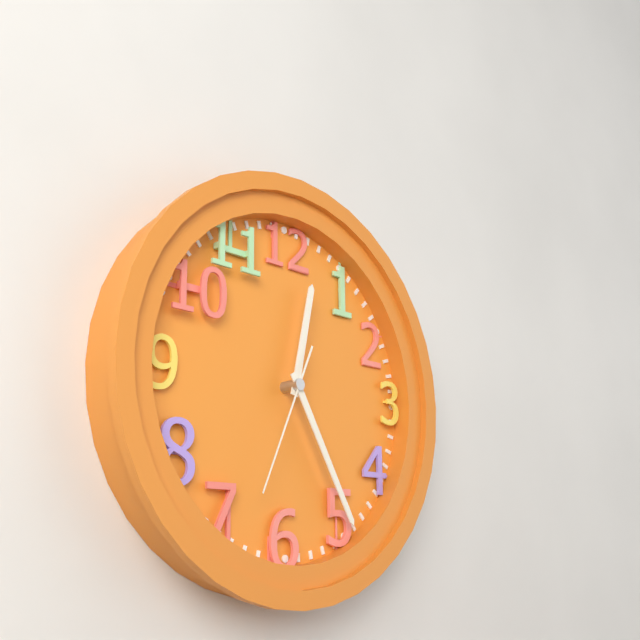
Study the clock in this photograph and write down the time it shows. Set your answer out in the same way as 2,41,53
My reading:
12,25,34
